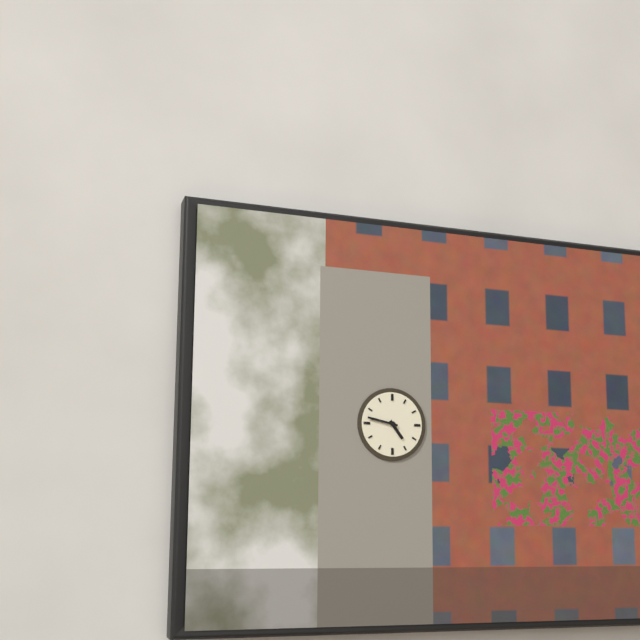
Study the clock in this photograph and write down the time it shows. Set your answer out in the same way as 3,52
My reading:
4,47
